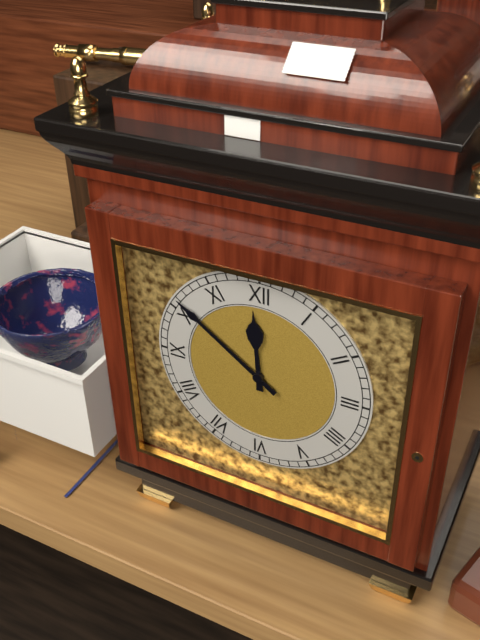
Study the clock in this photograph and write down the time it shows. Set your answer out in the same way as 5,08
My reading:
11,51
